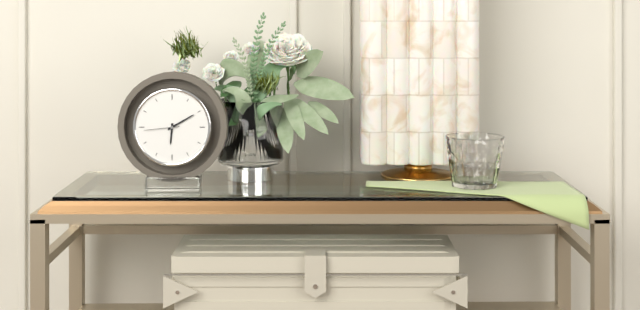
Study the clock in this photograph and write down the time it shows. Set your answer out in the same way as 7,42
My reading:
6,10
